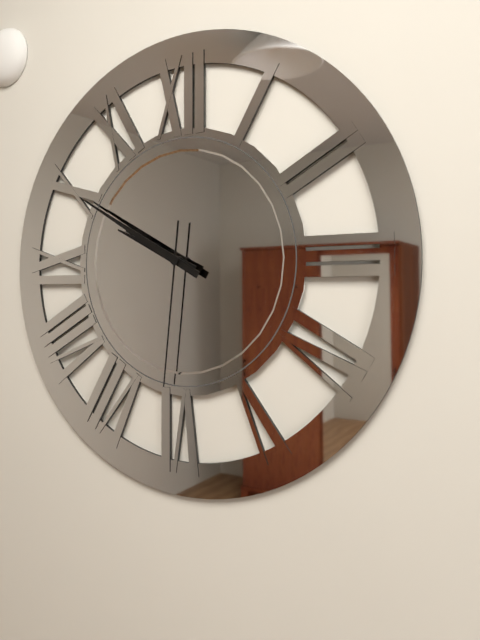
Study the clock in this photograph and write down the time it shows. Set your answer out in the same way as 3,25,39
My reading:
9,50,31
